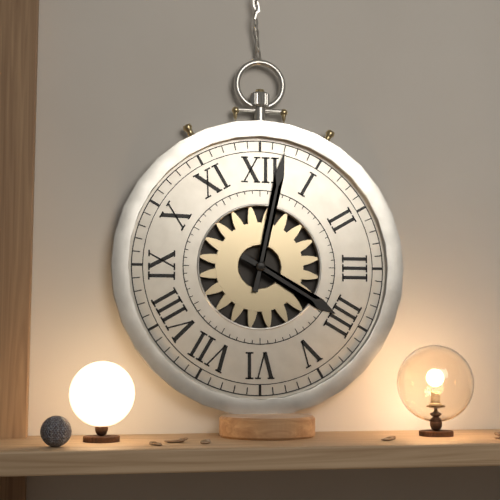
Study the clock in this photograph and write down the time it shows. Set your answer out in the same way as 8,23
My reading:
4,02
